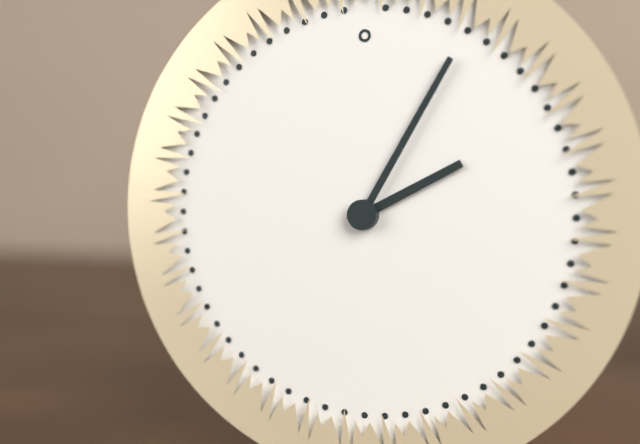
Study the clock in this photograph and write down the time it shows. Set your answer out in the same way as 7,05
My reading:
2,05
